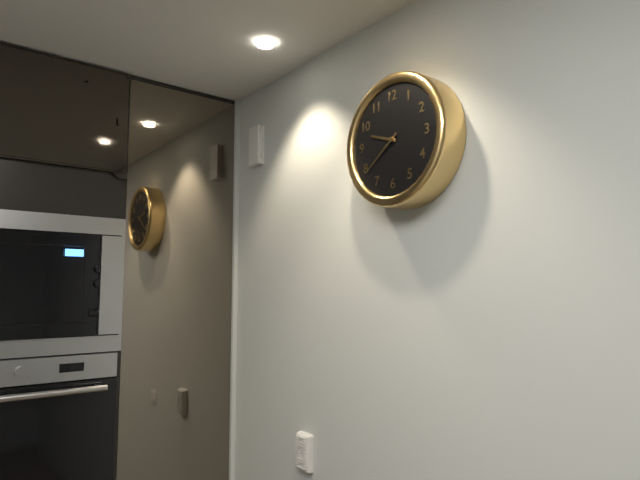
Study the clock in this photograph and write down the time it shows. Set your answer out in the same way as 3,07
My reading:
9,39
